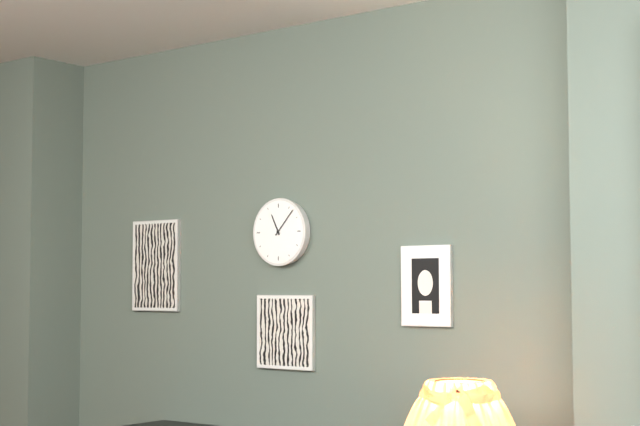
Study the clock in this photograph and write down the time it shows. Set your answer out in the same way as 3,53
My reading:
11,07
